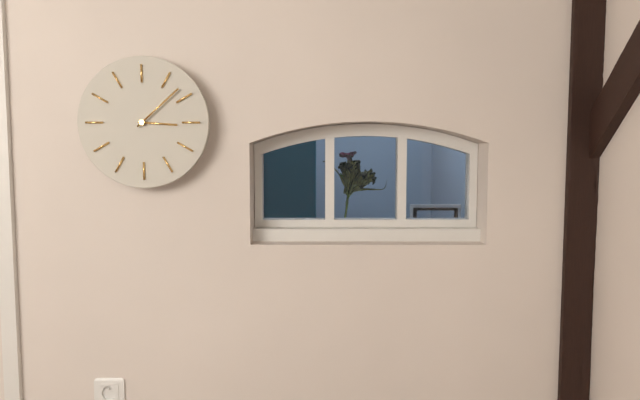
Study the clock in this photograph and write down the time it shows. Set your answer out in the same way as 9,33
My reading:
3,08
